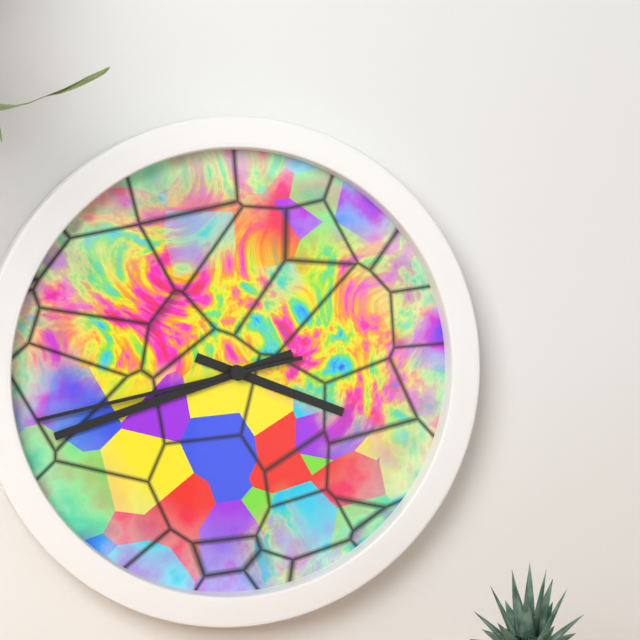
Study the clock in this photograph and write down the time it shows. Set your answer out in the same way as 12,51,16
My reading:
3,42,43
